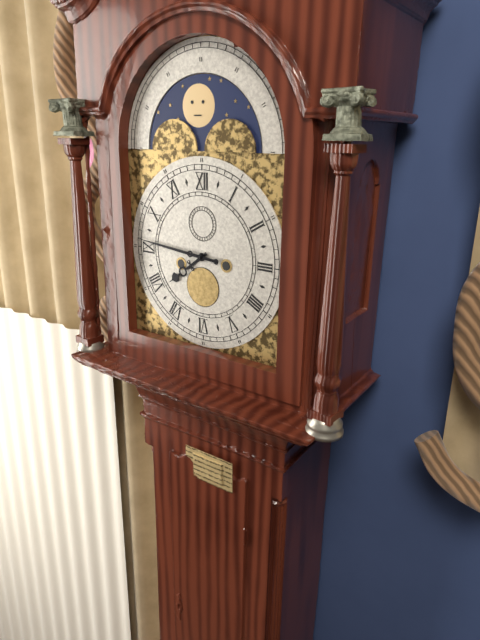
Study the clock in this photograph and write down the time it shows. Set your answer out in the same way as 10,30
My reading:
7,46
